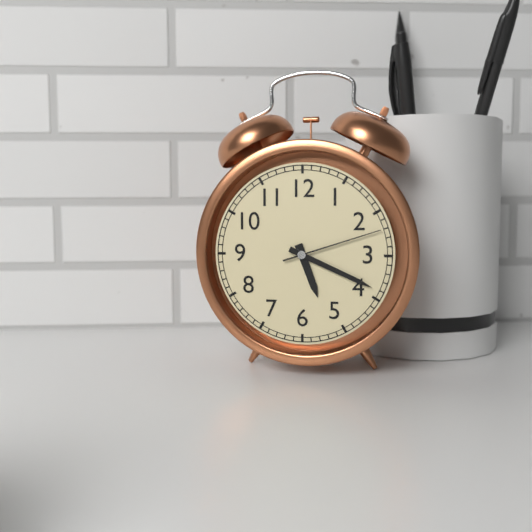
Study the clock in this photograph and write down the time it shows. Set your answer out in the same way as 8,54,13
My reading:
5,19,12
